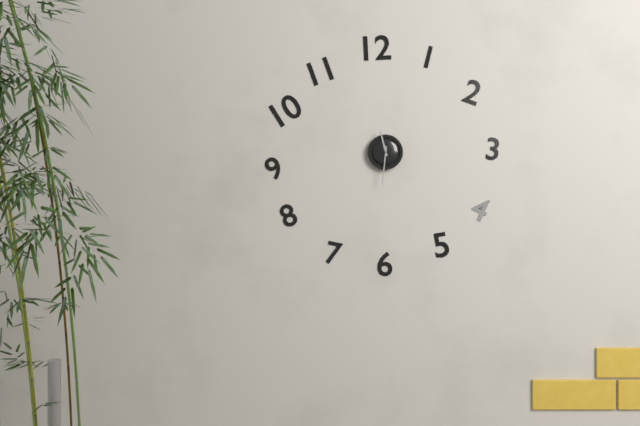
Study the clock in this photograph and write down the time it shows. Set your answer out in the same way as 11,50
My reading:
11,31
